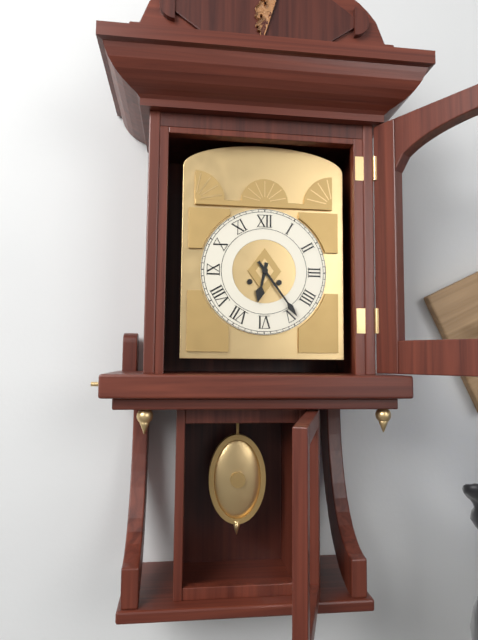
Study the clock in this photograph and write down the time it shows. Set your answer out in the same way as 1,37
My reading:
6,24
